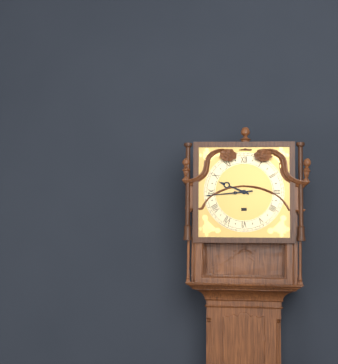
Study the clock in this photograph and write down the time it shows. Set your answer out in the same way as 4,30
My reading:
9,44
